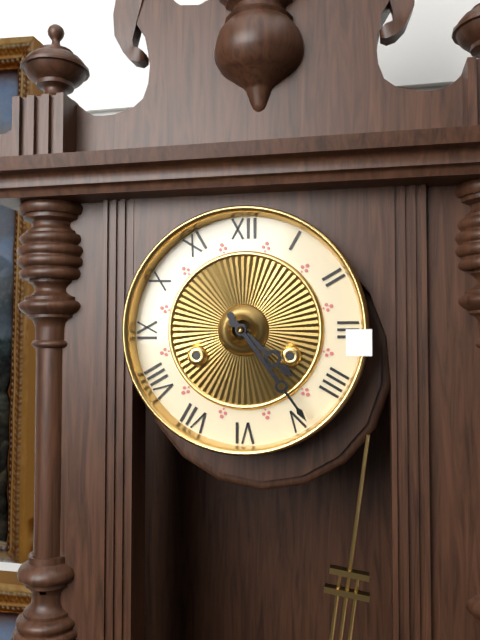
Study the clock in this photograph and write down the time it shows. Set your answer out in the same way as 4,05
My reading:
4,24
